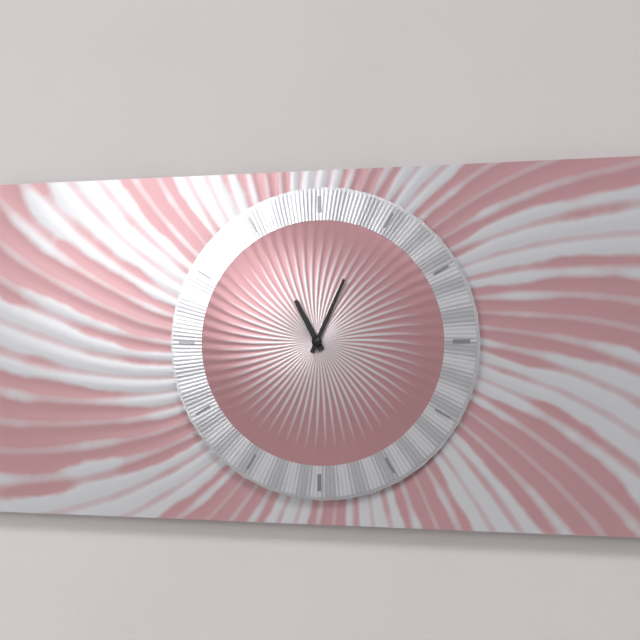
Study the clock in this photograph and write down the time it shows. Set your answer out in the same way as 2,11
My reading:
11,04
